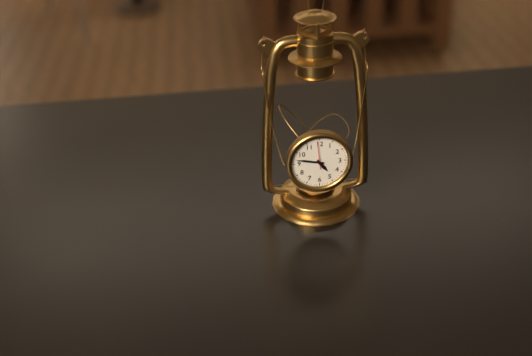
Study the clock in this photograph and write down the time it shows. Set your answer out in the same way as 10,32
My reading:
4,47
